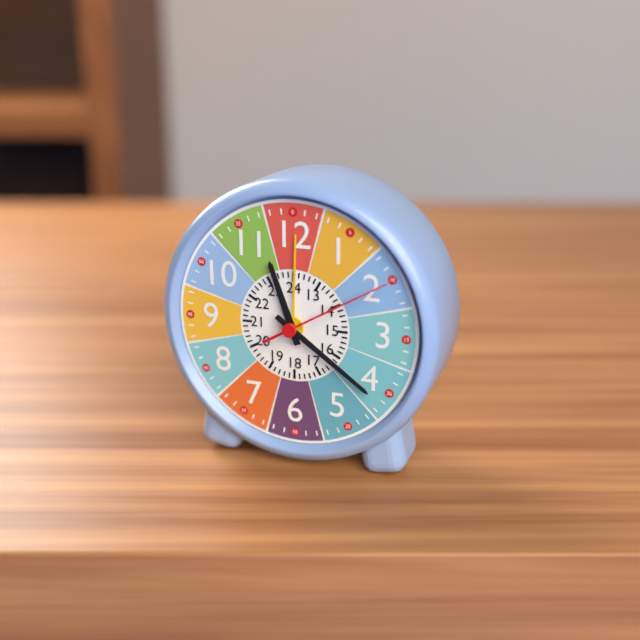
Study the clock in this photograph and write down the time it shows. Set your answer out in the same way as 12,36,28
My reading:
11,21,10
